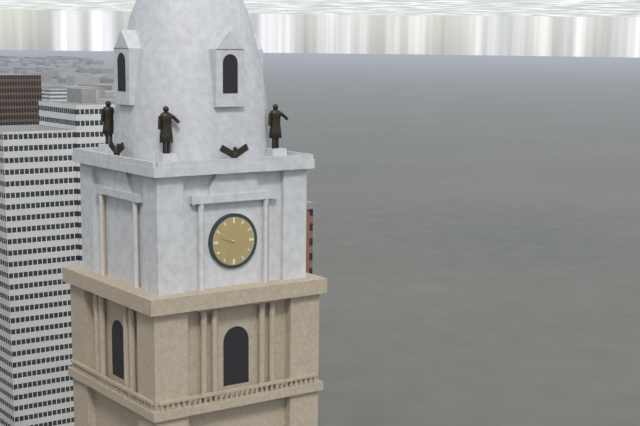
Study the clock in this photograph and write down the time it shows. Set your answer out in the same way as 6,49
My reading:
9,35
